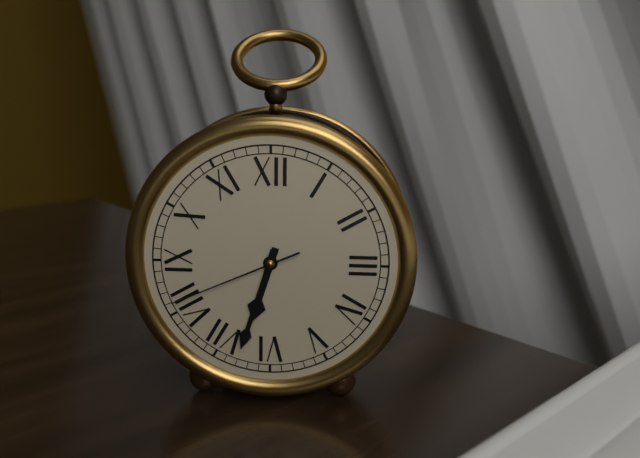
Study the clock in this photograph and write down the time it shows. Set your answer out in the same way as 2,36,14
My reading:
6,33,41
